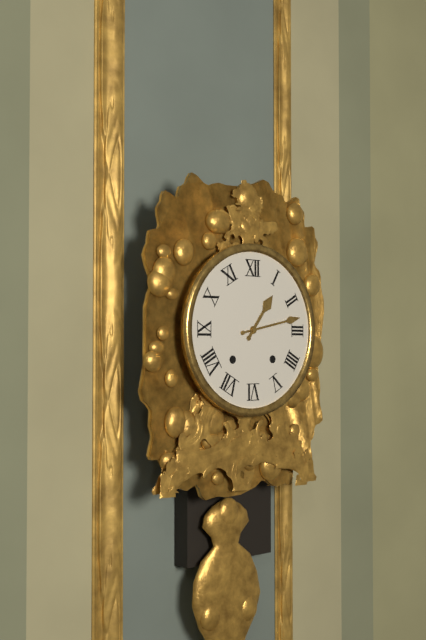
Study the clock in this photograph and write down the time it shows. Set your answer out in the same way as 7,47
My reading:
1,13
